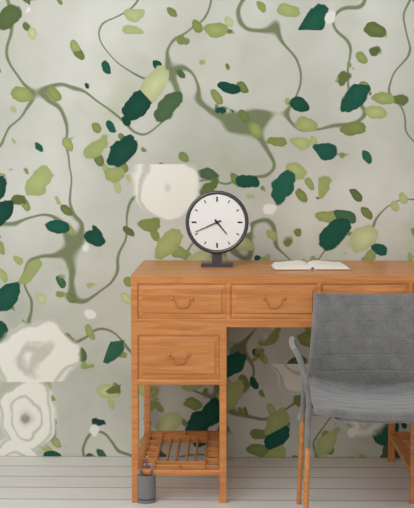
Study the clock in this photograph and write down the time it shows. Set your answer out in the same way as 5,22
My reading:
4,41
